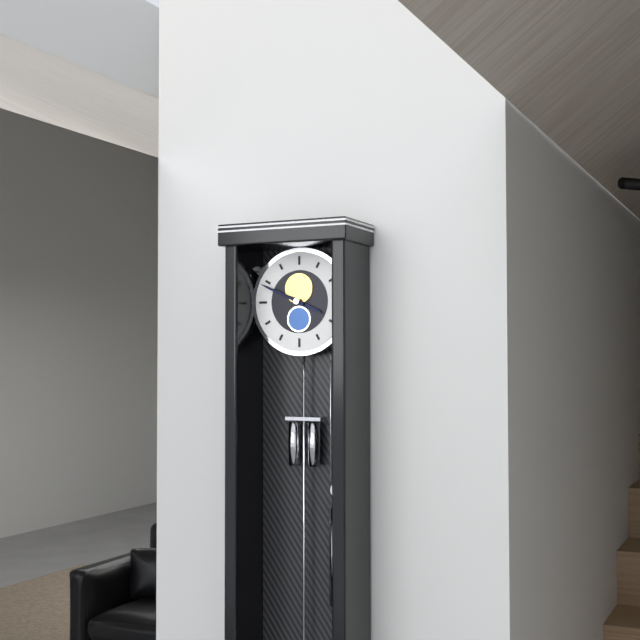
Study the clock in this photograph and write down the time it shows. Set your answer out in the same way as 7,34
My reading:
3,49
